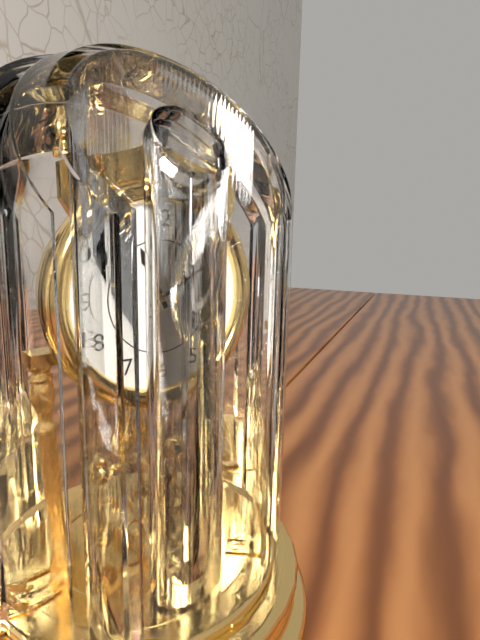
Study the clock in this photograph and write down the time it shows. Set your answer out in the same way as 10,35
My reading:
11,10
